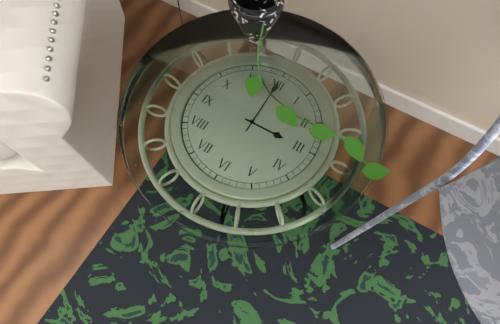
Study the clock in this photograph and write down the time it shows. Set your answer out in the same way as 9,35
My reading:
3,00
